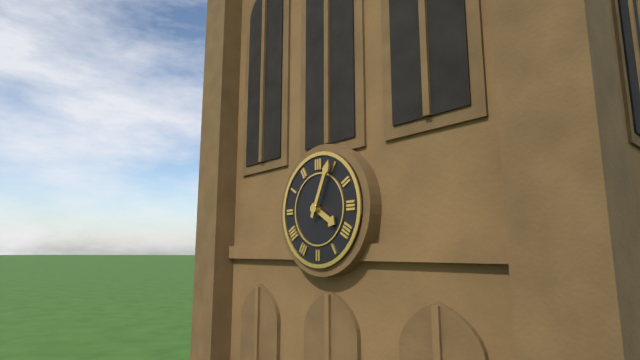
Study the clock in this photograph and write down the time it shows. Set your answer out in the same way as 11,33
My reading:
4,04
